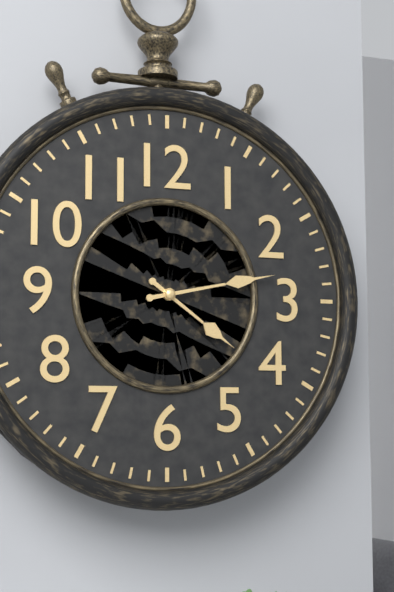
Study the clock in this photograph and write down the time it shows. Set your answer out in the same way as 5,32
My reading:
4,13
